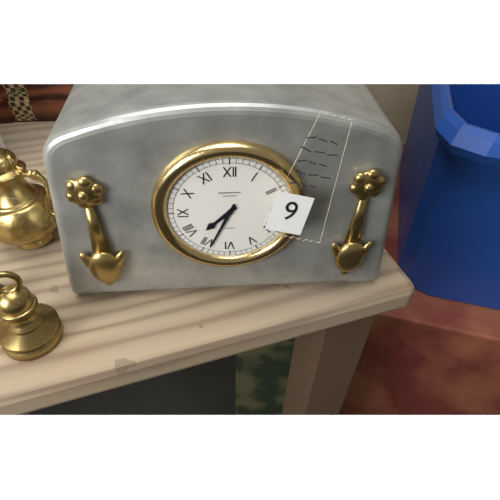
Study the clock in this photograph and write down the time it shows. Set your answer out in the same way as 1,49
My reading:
7,34
